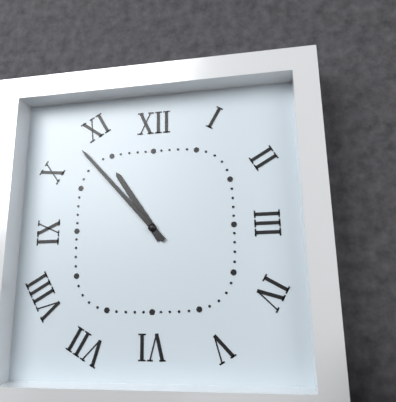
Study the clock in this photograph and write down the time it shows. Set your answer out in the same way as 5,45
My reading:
10,53
